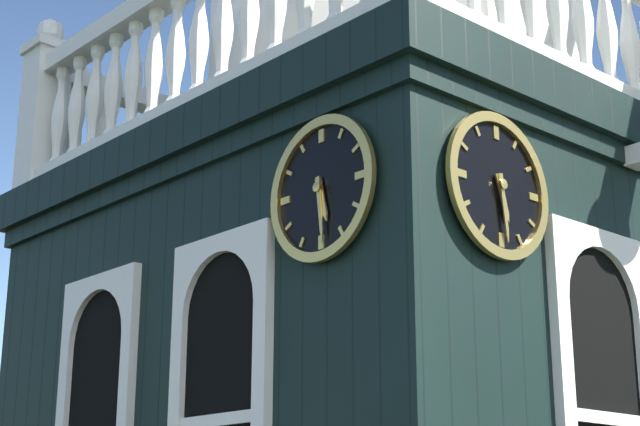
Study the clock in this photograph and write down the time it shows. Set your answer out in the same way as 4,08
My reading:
5,29
